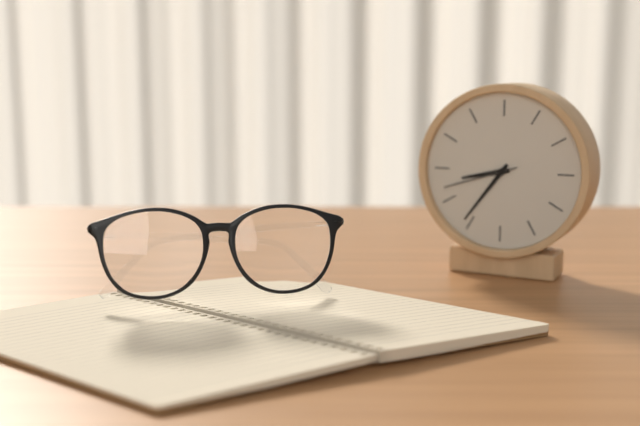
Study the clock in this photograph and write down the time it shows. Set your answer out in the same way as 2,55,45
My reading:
8,36,42
